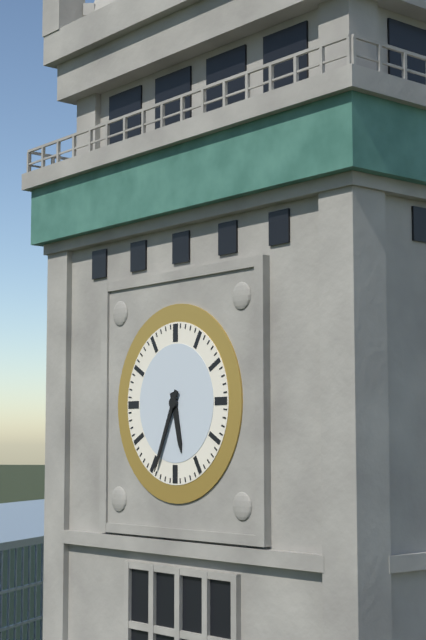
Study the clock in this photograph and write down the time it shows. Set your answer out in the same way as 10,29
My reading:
5,34
